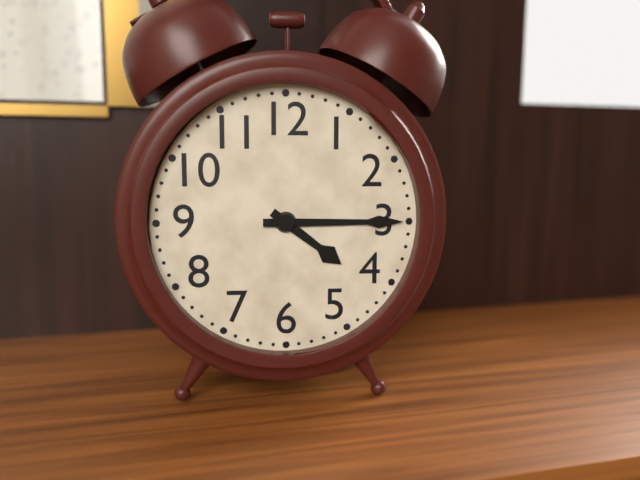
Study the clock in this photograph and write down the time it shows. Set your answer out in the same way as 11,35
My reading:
4,15
